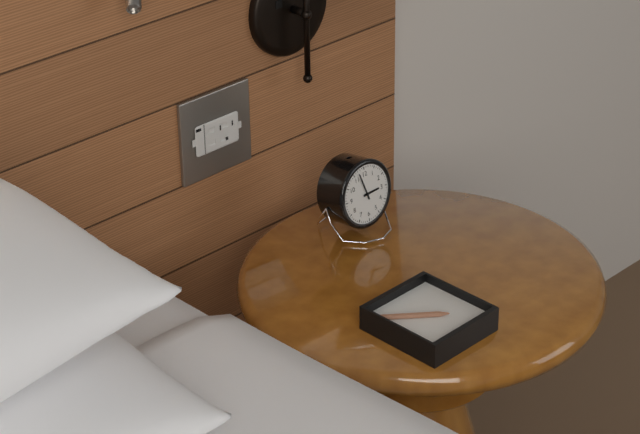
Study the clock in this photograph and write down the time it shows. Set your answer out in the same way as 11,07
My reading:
2,57
